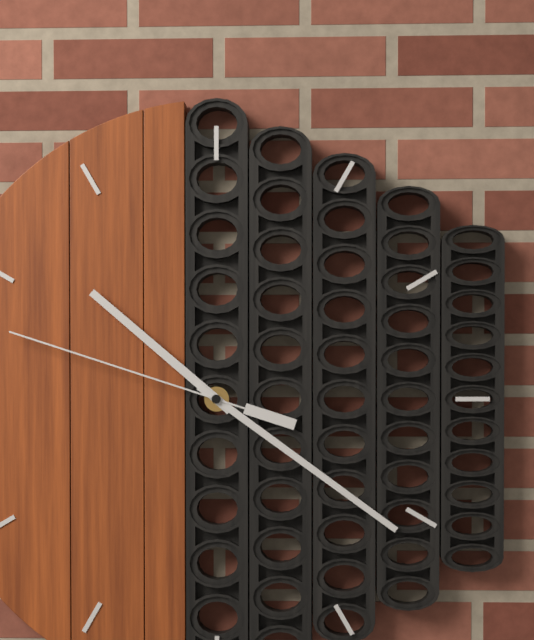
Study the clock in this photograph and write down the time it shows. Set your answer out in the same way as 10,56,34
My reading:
10,21,48
